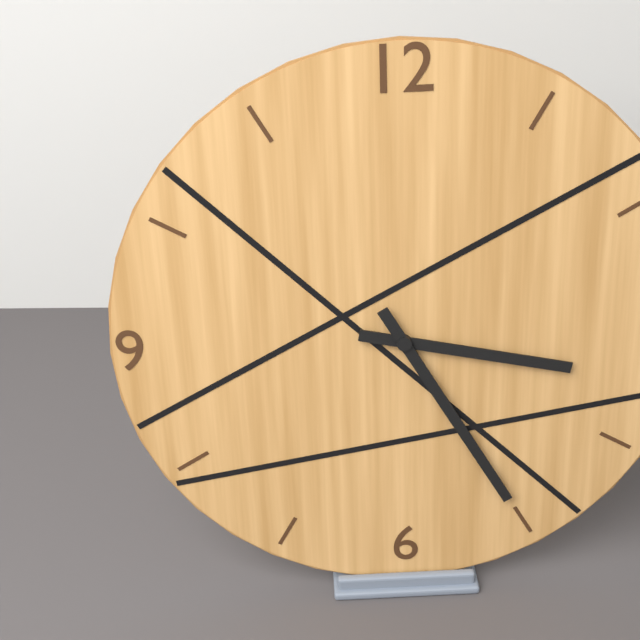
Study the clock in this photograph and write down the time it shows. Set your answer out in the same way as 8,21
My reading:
3,25
